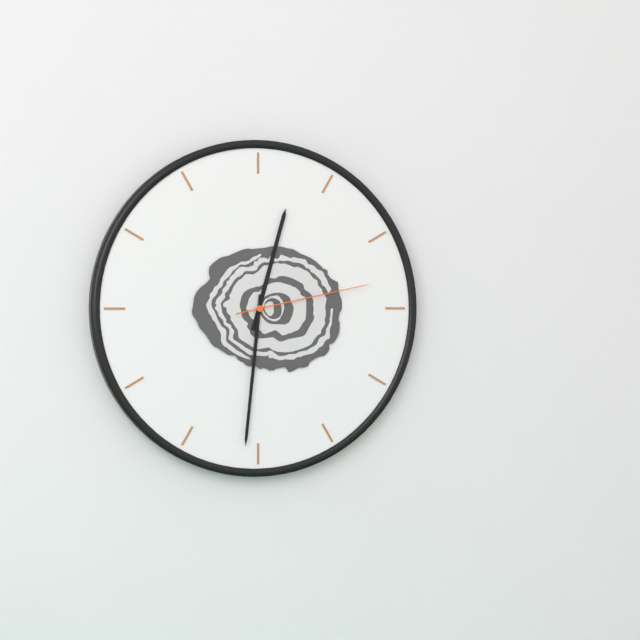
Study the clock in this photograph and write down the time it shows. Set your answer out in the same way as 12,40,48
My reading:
12,31,13
